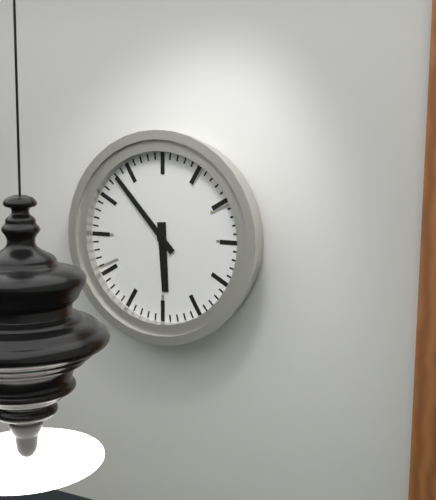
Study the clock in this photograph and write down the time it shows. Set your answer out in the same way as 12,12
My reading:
5,53
